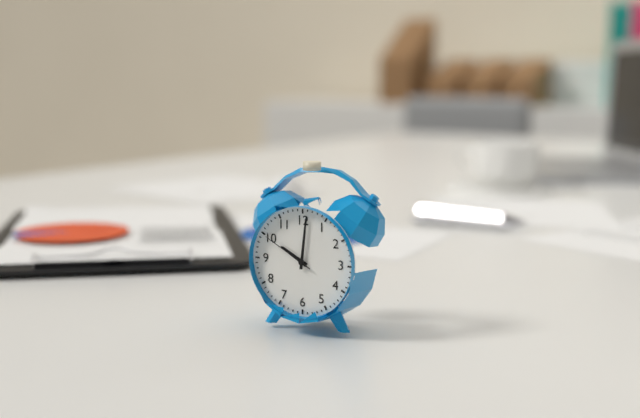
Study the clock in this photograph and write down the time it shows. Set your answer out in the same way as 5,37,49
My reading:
10,01,50
